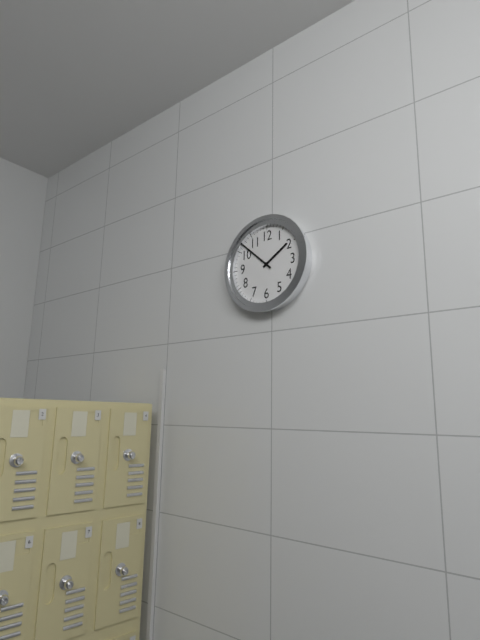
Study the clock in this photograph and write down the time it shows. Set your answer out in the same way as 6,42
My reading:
1,52
